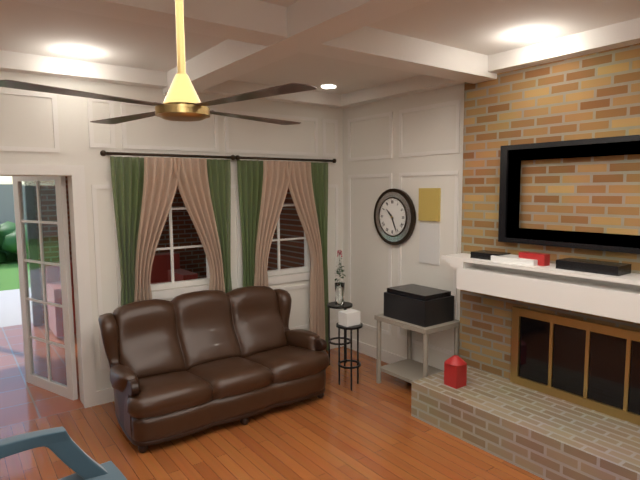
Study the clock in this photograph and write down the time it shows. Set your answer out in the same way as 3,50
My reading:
10,26
